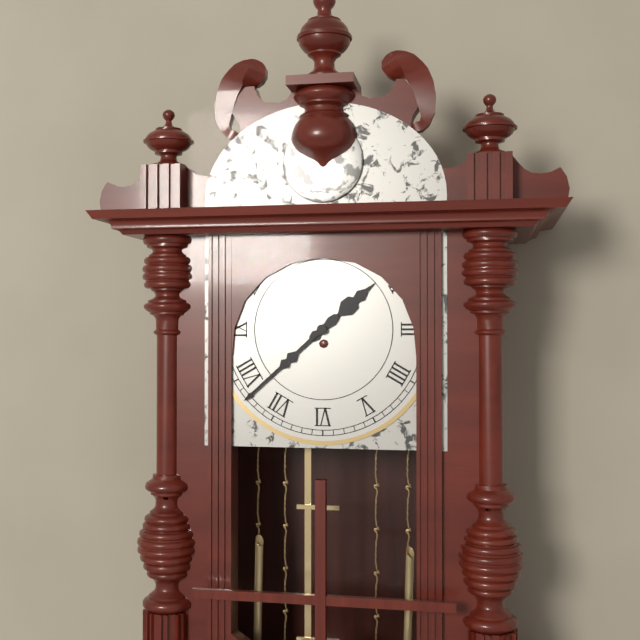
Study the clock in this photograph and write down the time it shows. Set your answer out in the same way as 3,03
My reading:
1,38
